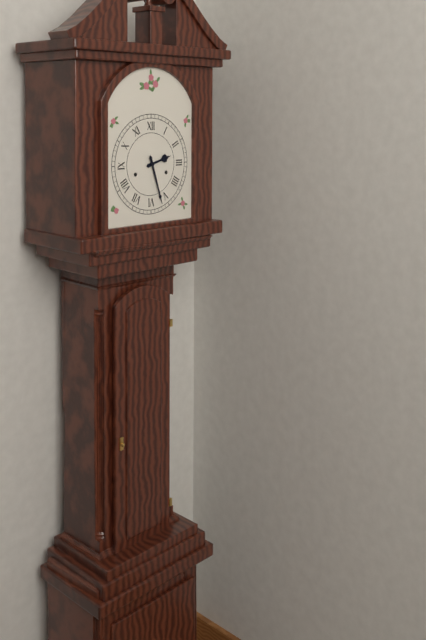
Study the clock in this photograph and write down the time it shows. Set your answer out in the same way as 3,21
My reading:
2,27
